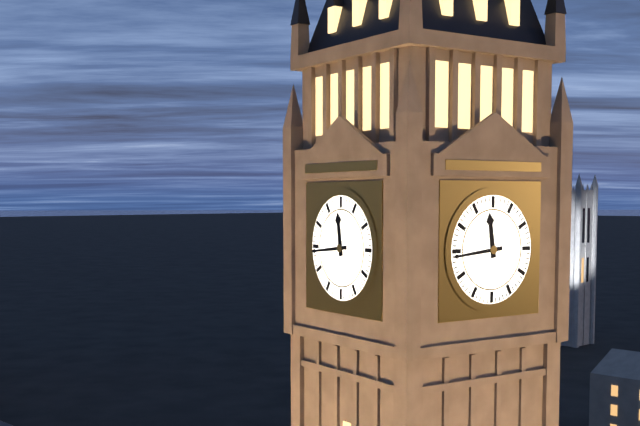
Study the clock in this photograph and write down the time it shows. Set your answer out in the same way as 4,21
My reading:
11,44
